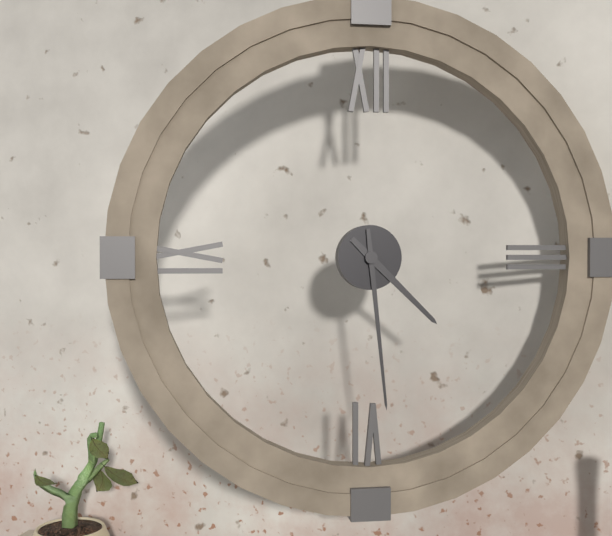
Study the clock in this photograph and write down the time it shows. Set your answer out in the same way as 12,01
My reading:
4,29
